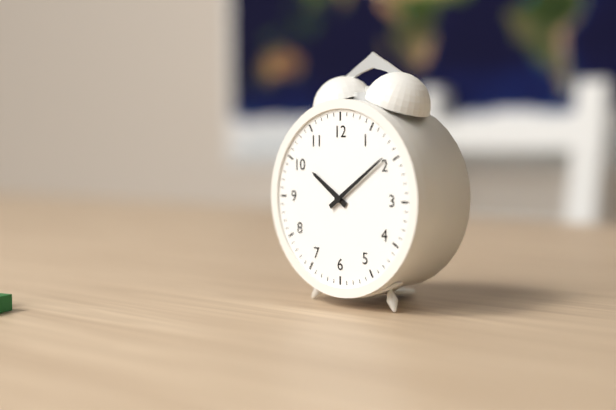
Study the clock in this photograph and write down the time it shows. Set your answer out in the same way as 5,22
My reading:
10,09
